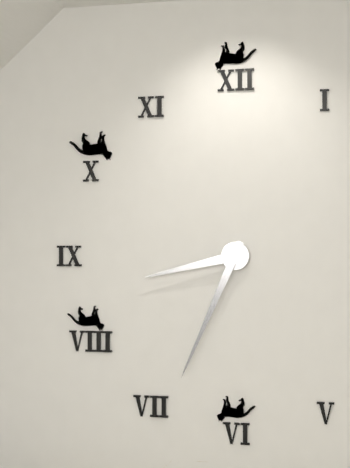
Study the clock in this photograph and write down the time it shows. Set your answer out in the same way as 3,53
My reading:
8,34
